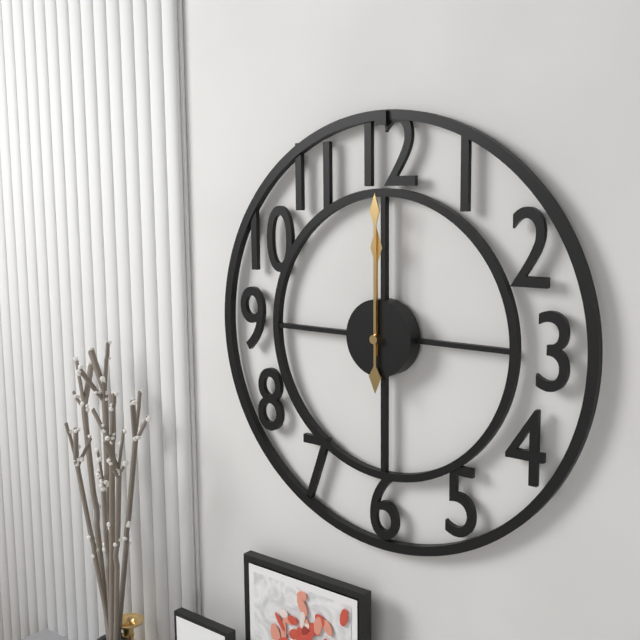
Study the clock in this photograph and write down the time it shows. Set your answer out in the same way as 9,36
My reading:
12,00
